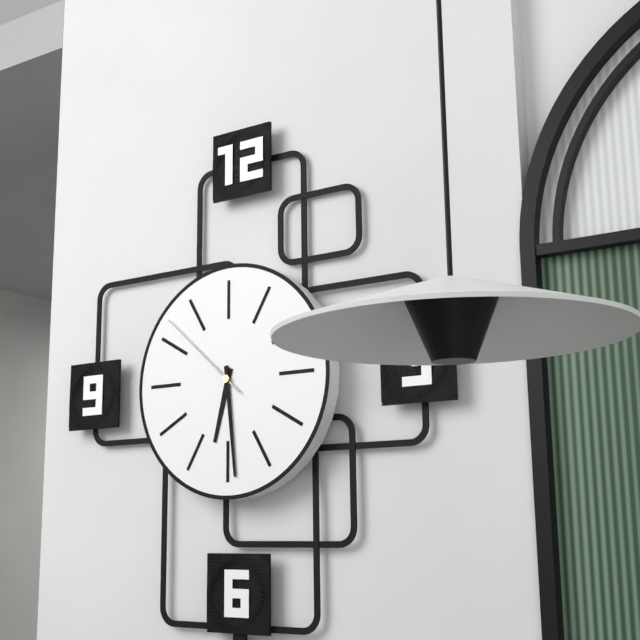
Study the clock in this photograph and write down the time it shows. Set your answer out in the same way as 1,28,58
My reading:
6,29,52
